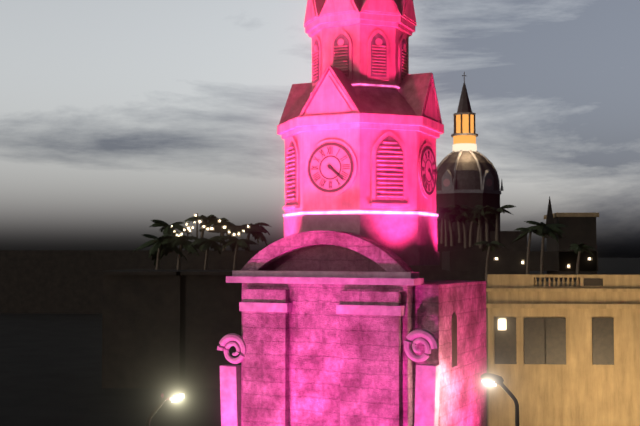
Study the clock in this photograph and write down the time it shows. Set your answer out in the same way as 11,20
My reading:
4,22
